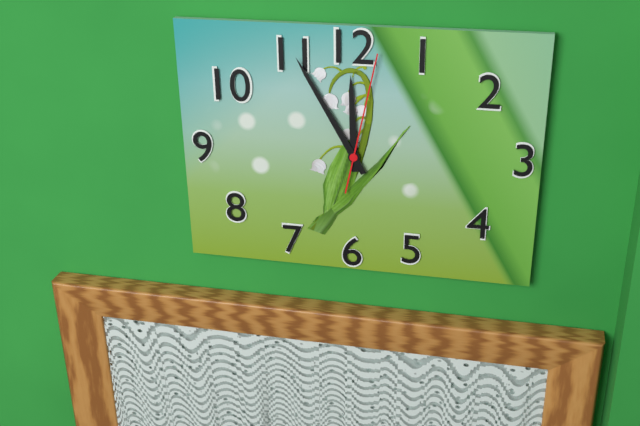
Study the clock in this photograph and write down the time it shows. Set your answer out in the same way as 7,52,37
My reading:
11,55,02
